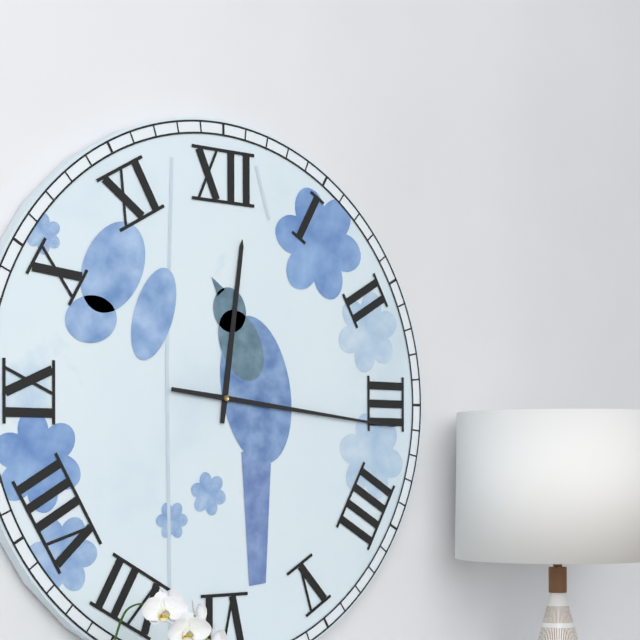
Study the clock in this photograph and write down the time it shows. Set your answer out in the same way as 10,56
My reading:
12,16
